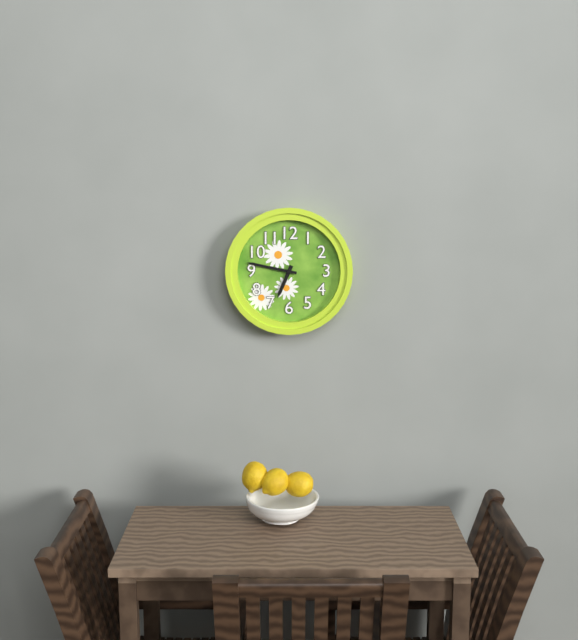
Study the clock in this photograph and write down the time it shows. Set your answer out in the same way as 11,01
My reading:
6,47
